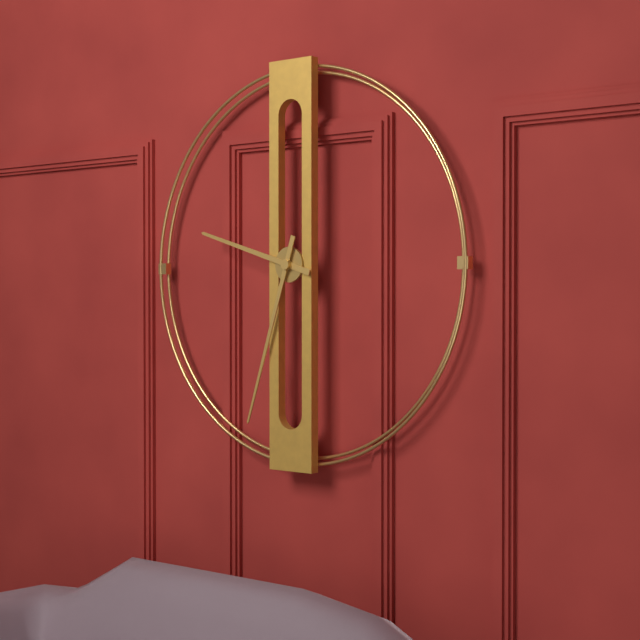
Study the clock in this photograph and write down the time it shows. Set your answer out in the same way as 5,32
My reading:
9,33
